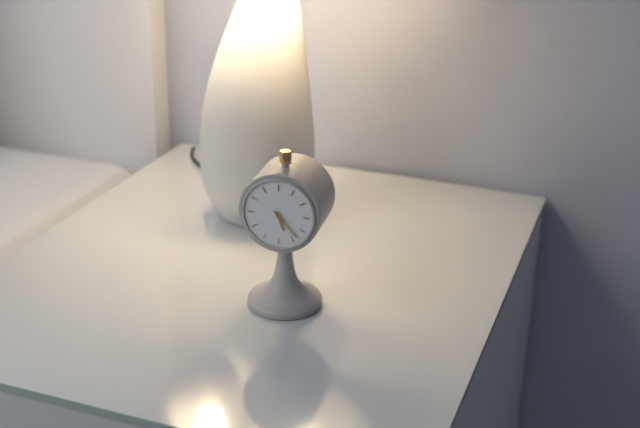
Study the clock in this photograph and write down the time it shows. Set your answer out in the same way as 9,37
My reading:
5,23
